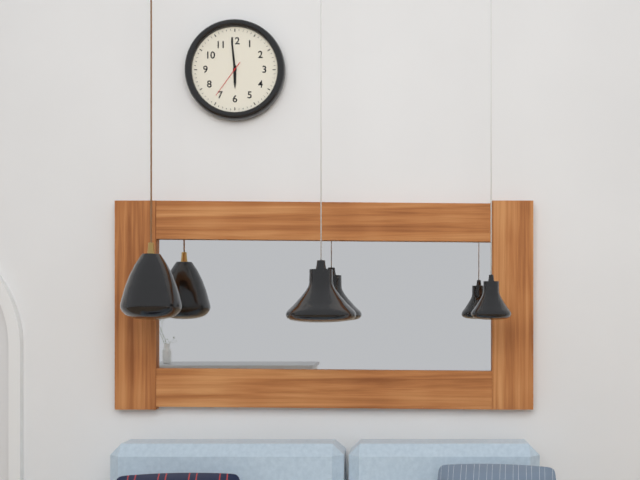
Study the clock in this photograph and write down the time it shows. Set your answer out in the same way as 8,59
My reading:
5,59
